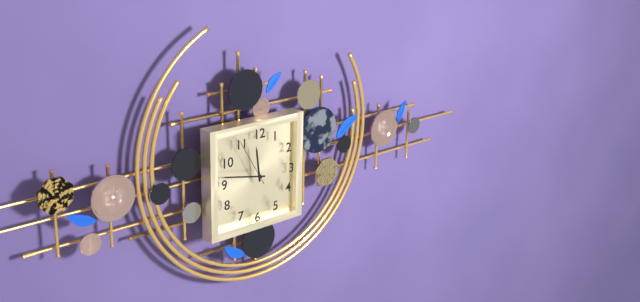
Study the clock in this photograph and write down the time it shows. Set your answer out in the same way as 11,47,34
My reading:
11,47,55
